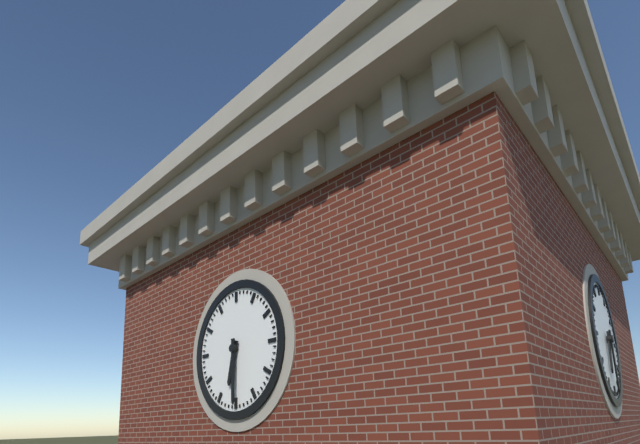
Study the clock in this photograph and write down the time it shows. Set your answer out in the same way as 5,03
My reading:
6,30
